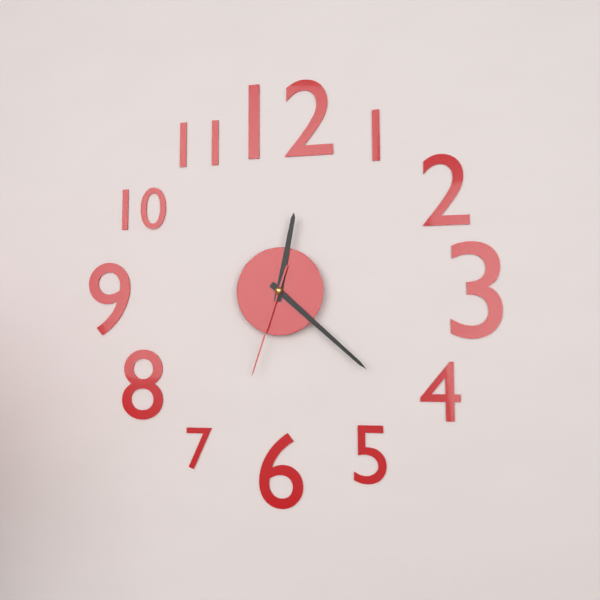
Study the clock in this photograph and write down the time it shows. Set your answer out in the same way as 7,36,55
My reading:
12,22,33
